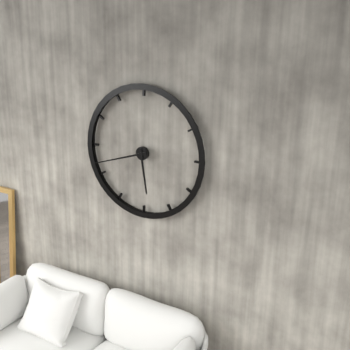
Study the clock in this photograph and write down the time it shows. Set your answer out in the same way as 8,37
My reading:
5,42
